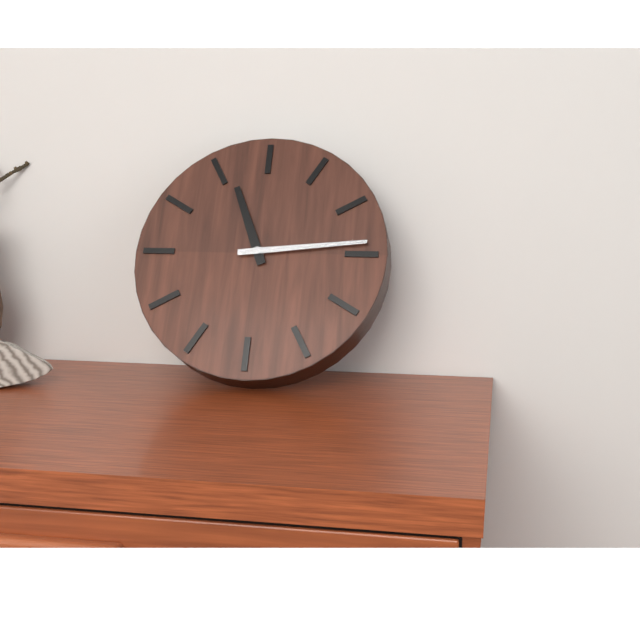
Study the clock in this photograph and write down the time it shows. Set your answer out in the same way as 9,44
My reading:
11,14
